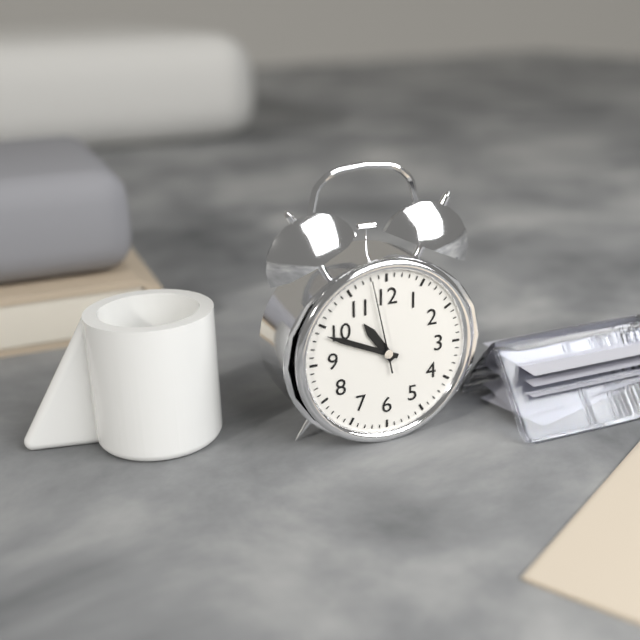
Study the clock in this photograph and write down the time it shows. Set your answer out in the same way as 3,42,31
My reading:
10,49,58
